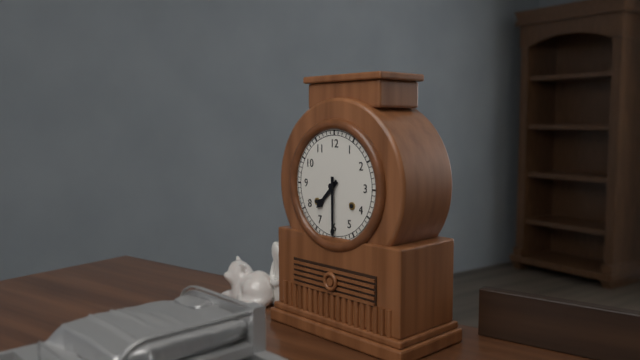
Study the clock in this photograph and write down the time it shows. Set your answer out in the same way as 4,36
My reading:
7,30
